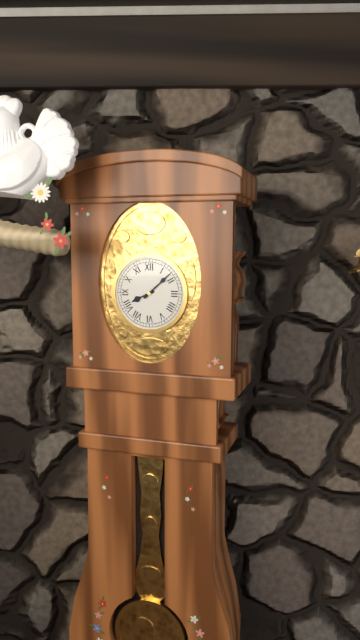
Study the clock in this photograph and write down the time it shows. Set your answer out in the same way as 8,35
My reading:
8,08
